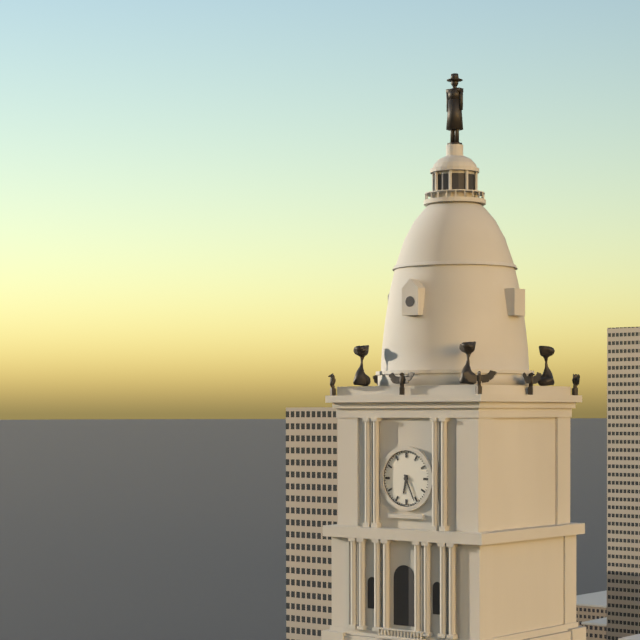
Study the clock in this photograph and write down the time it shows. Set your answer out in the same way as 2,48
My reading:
6,26
